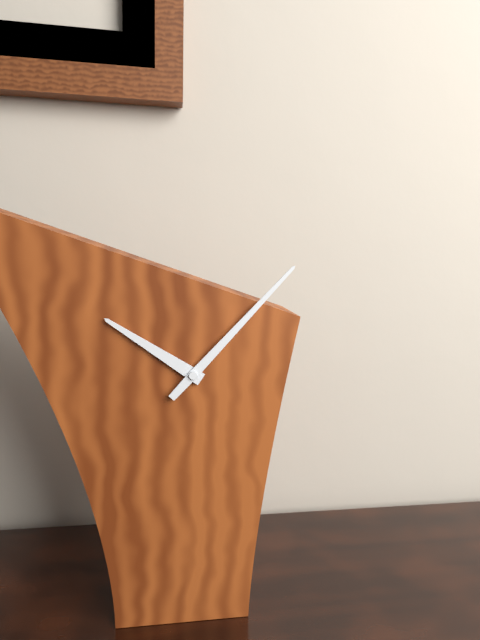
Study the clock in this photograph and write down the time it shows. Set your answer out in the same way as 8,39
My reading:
10,07
